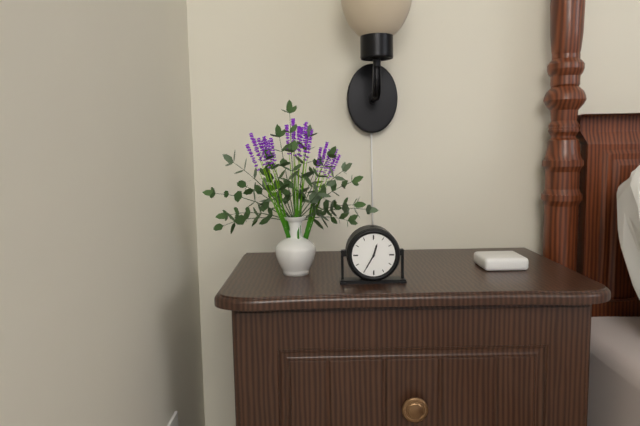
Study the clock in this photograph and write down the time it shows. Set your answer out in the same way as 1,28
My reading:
12,35
